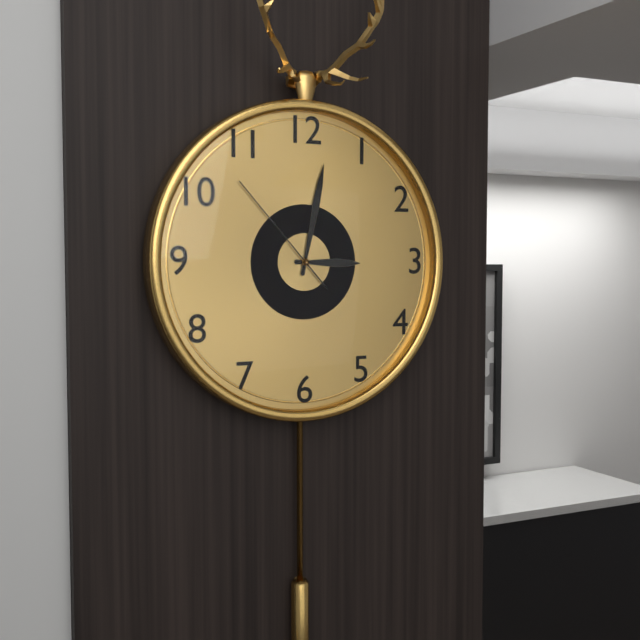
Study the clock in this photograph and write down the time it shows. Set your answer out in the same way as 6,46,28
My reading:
3,02,53
